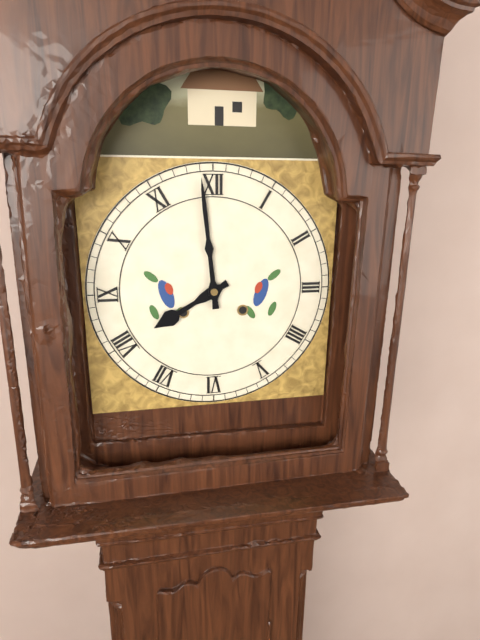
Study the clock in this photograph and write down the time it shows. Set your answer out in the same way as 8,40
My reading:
7,59
